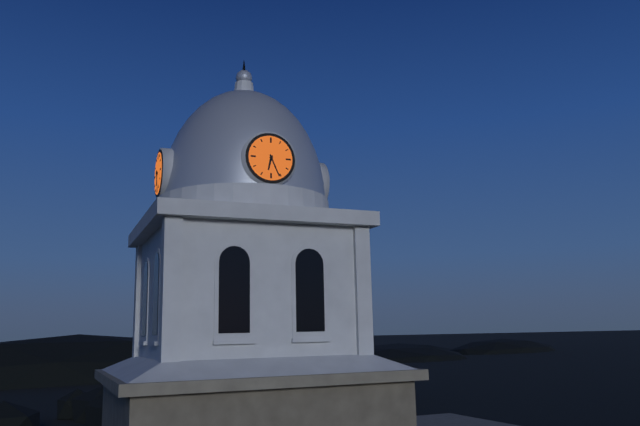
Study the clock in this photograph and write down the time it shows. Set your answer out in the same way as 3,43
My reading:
6,26
